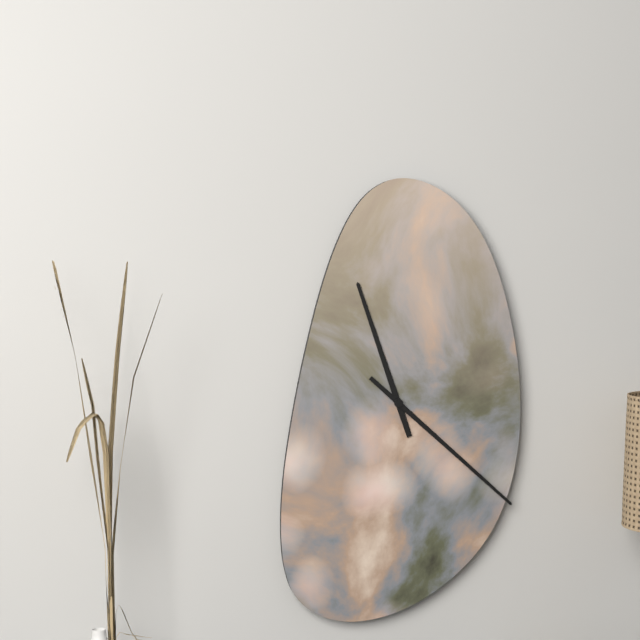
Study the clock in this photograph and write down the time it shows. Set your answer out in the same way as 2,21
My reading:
11,22
